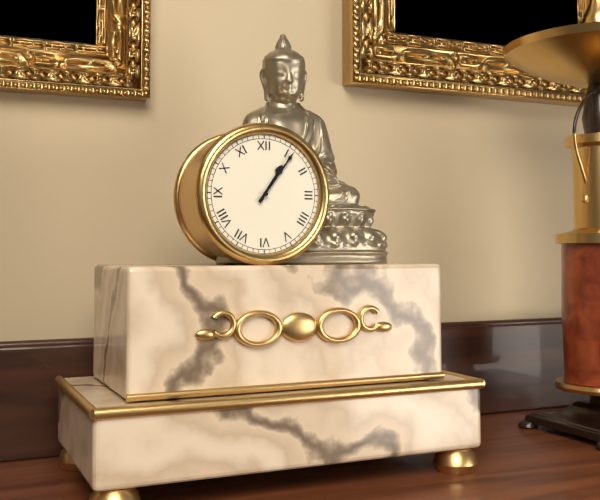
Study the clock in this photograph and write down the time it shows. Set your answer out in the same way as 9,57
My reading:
1,06
